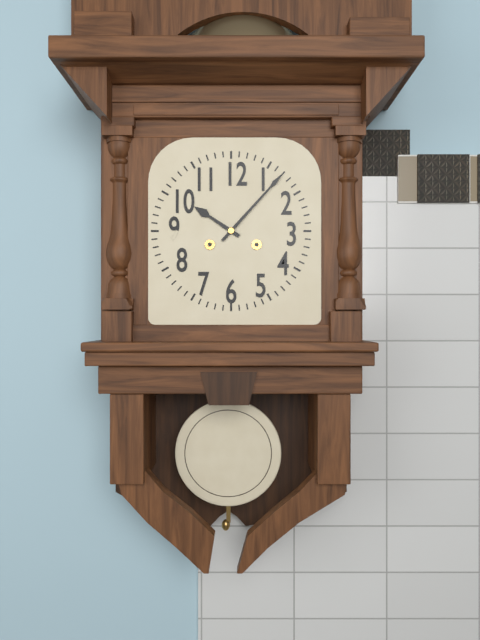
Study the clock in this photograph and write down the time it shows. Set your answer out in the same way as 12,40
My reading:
10,07
